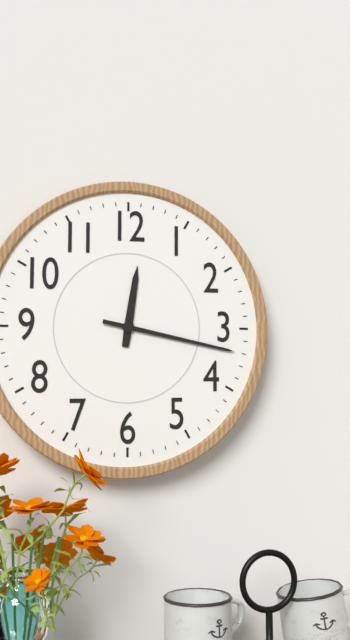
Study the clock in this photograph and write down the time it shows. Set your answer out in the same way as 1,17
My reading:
12,17
